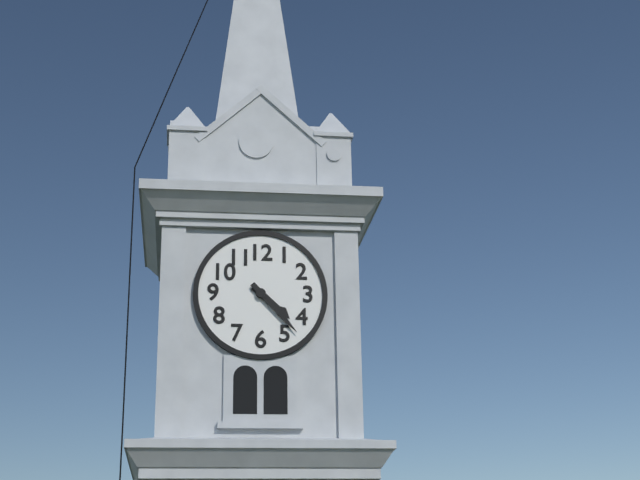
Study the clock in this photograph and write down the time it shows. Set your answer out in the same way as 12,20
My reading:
4,23
